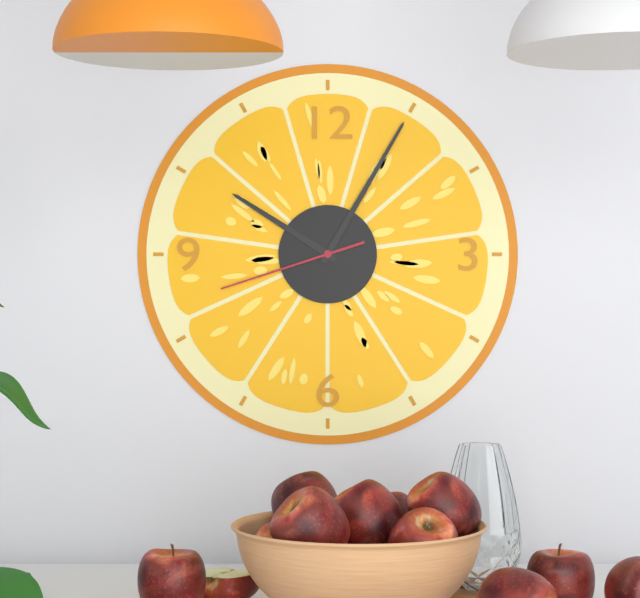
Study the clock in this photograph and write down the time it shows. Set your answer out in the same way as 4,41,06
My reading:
10,05,42
